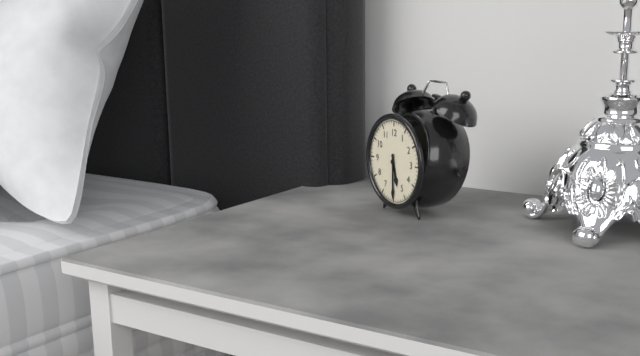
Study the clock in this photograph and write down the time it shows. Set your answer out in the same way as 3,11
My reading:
5,30
